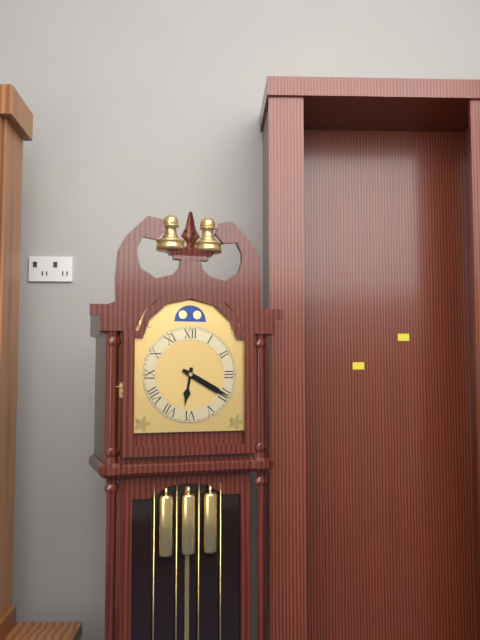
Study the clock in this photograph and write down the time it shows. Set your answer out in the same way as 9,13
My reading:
6,20
